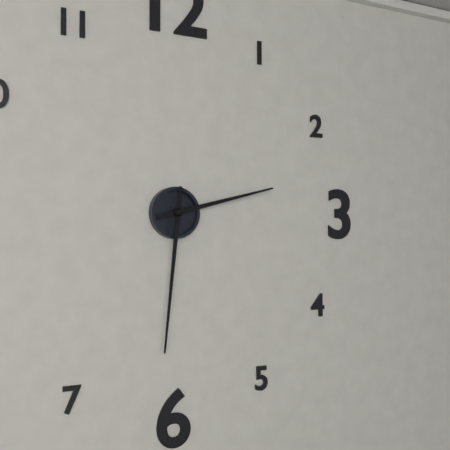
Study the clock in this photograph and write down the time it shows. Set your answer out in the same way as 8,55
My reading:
2,31
